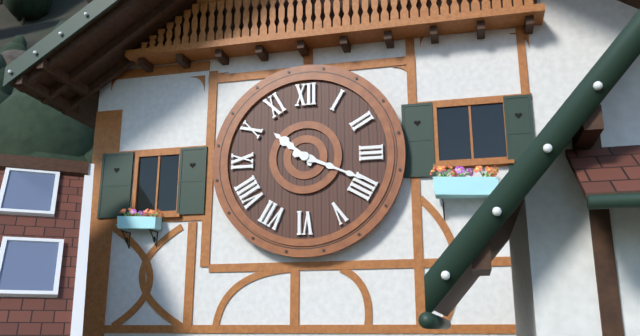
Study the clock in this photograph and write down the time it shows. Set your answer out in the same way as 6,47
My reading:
10,19
